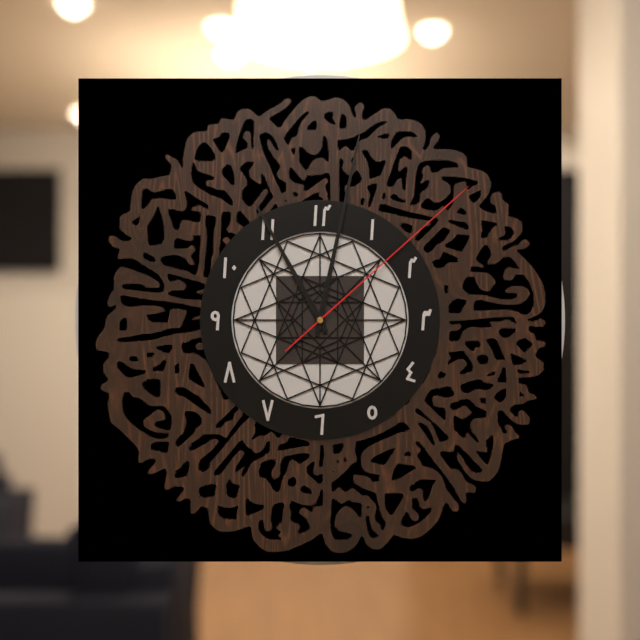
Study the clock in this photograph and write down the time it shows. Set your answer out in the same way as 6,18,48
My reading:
11,02,08
